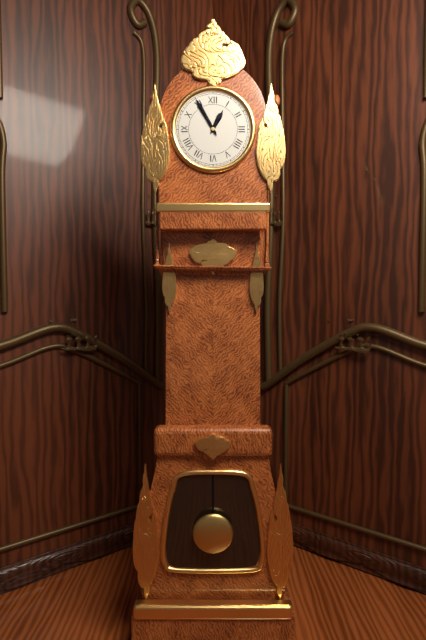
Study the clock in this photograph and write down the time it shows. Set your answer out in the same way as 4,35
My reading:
12,55
